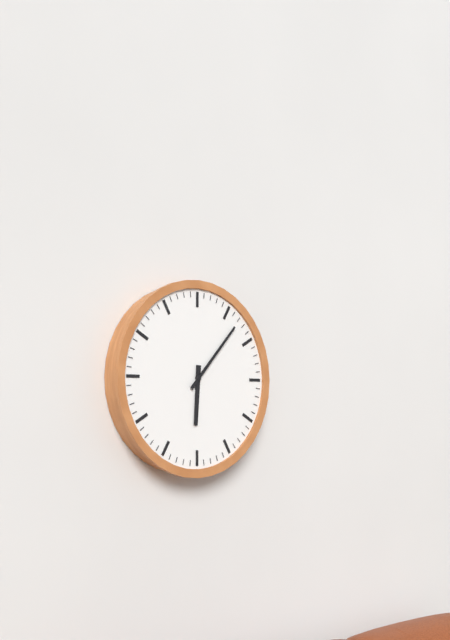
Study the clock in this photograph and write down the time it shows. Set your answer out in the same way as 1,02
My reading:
6,07
